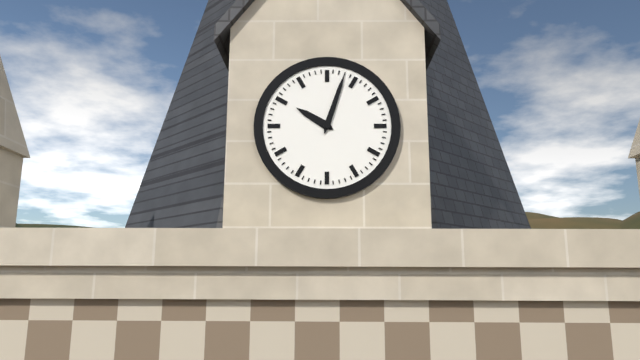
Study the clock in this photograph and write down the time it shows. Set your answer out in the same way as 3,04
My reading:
10,03
